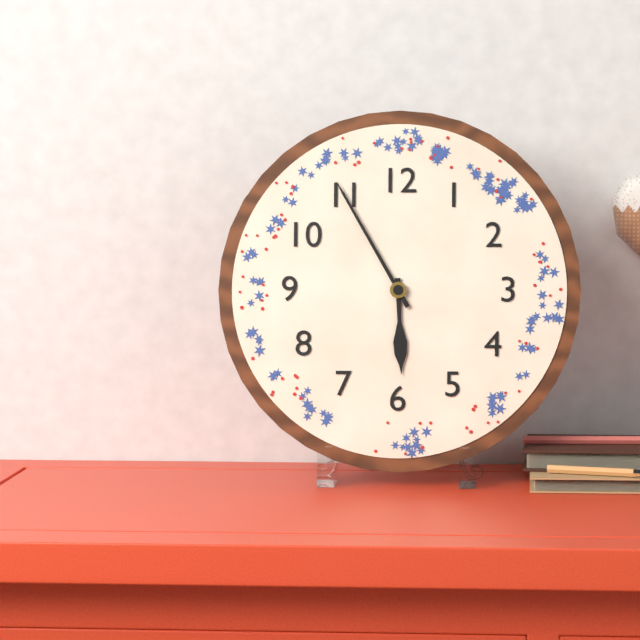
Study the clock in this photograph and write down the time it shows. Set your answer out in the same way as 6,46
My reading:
5,55
